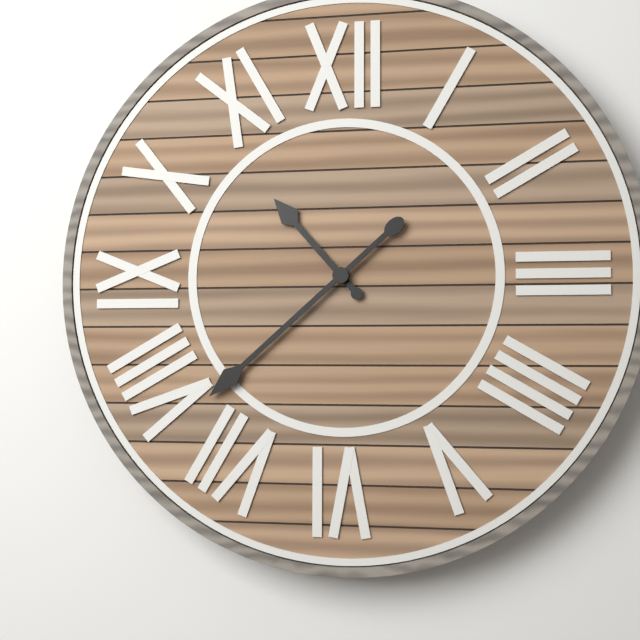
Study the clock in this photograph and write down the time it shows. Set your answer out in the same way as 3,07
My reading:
10,38
